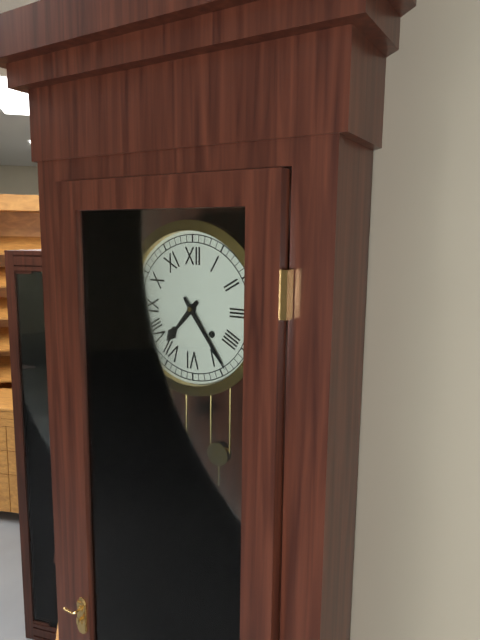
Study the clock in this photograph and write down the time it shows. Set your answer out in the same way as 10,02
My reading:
7,24
